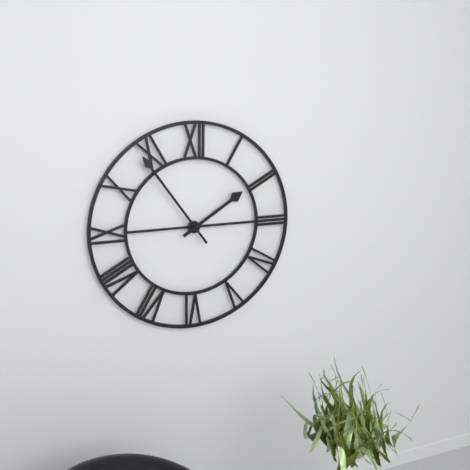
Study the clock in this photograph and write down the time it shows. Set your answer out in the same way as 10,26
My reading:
1,54
